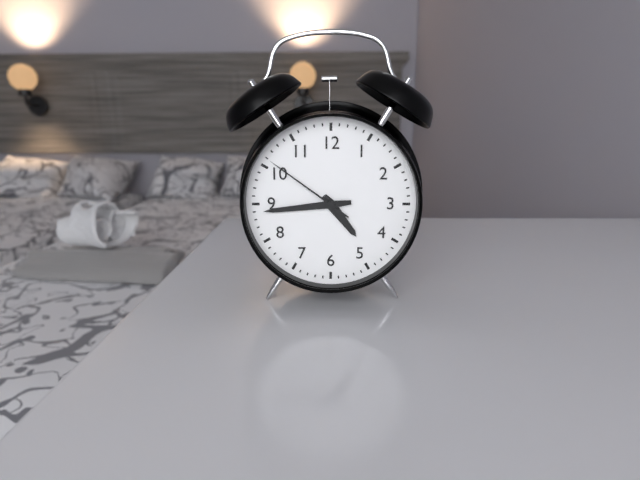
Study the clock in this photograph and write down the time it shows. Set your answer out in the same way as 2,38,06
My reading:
4,44,51
